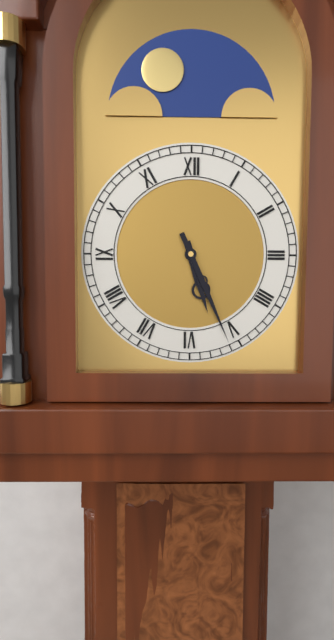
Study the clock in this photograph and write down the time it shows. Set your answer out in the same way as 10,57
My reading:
5,26
